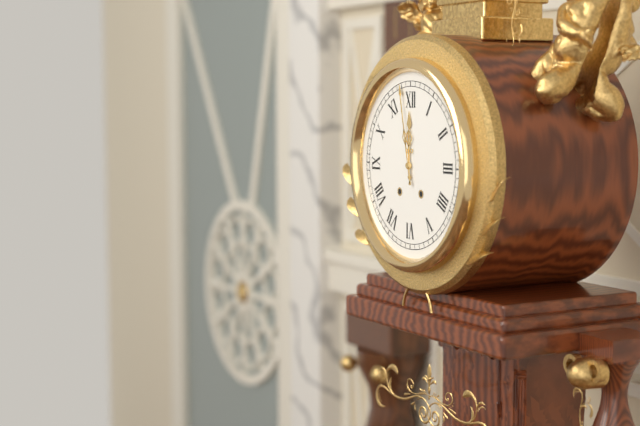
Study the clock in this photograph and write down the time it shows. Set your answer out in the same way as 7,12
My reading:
11,58
